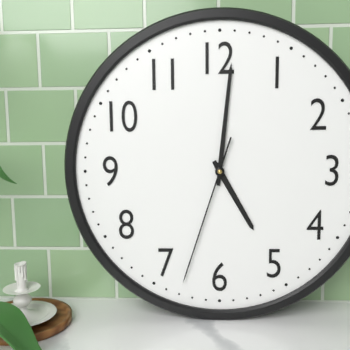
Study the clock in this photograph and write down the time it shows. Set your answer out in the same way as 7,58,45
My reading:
5,01,33
